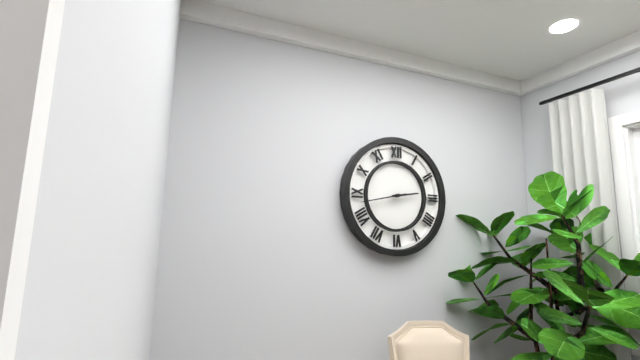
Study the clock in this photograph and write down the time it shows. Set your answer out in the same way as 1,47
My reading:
2,43
